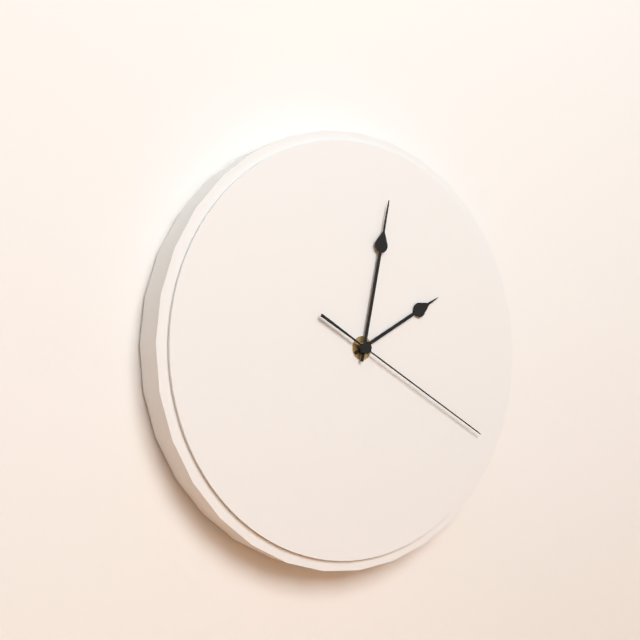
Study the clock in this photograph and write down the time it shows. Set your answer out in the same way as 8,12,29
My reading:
2,02,20
